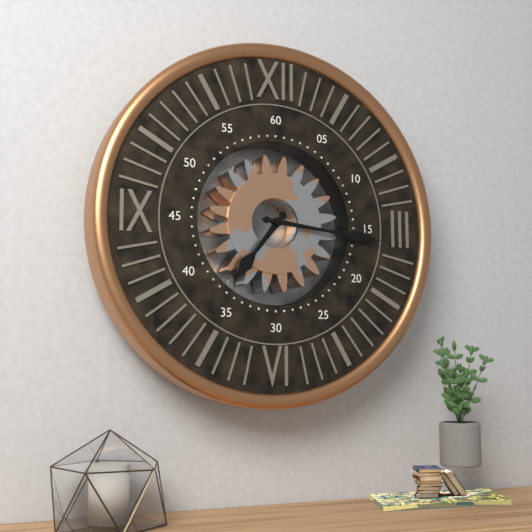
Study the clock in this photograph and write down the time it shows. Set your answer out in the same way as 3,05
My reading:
7,16
